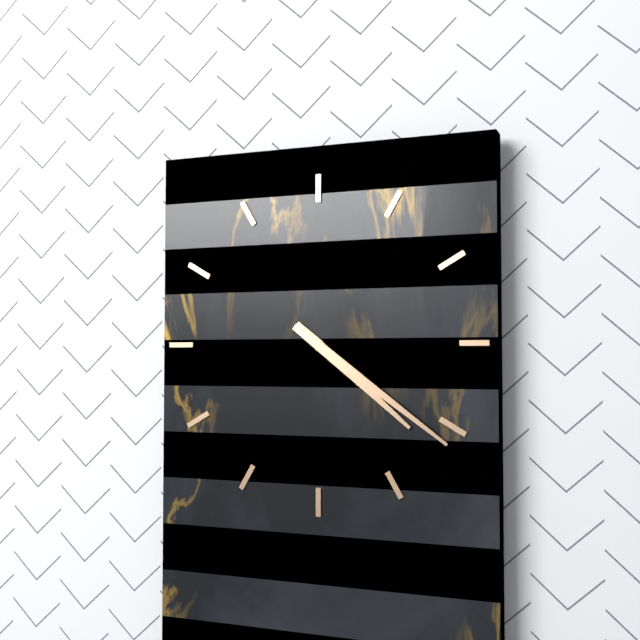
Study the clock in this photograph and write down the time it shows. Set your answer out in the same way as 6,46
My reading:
4,21
